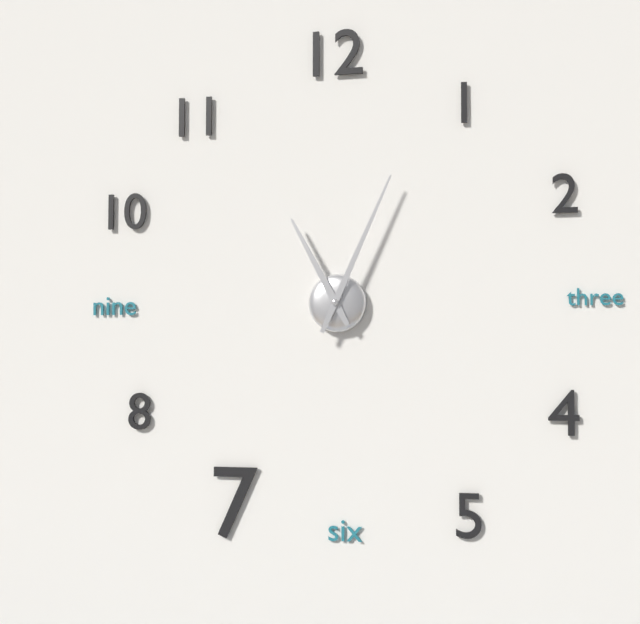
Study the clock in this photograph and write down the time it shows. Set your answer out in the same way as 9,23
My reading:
11,04
